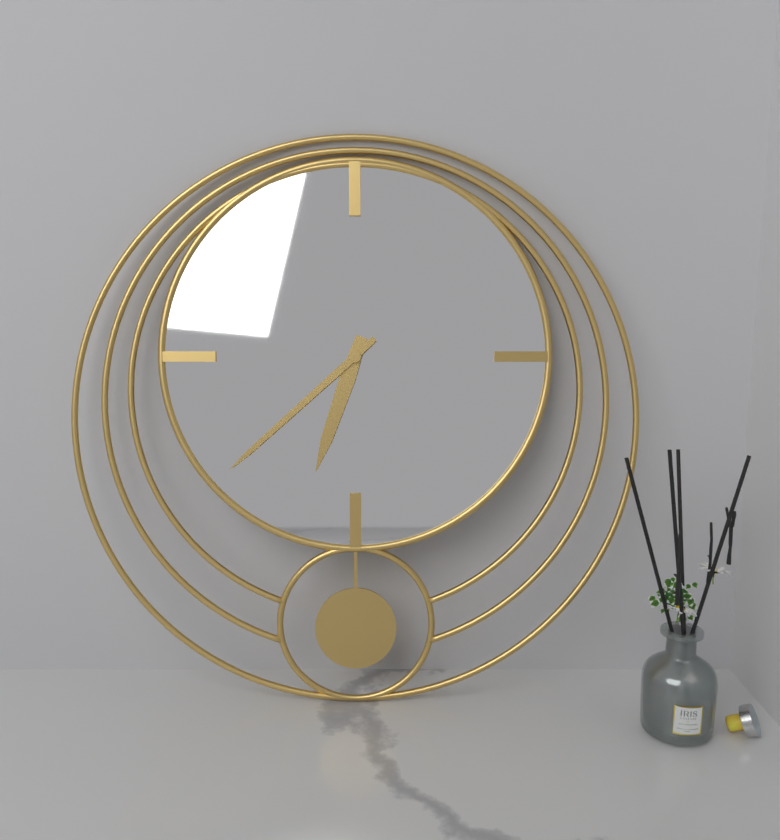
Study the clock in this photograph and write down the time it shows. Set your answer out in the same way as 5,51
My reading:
6,38
